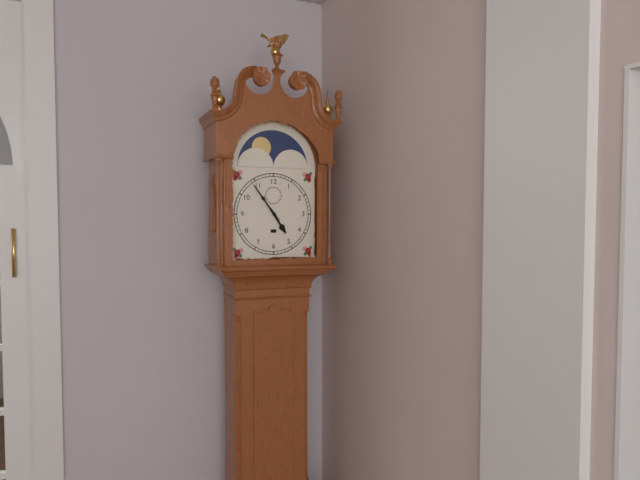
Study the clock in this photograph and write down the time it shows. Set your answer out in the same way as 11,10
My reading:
4,54
